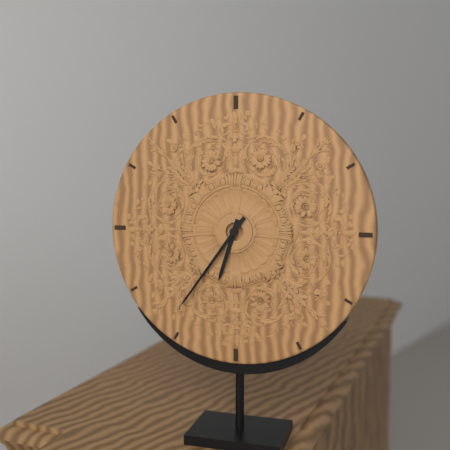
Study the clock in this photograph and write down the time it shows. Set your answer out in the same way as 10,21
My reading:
6,36
